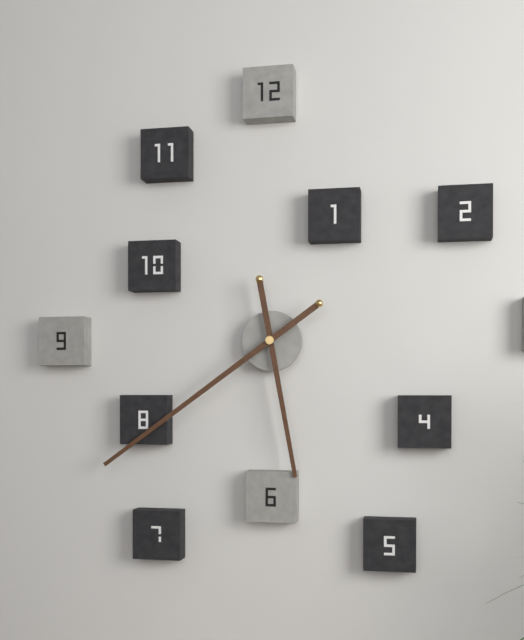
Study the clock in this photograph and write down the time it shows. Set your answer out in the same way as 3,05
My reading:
5,39
